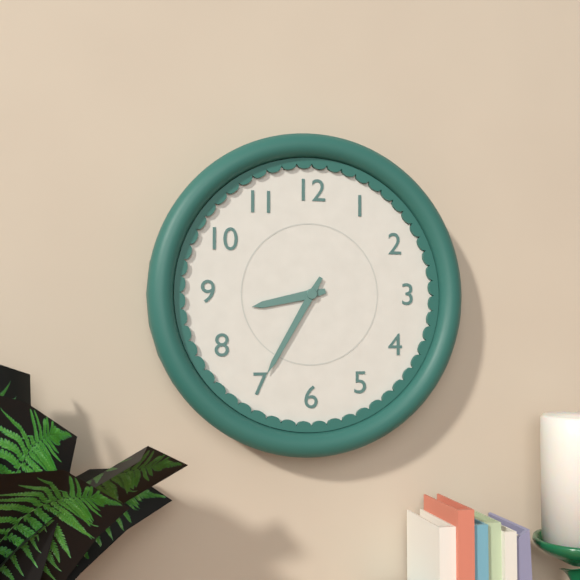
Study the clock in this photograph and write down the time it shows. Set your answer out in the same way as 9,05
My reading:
8,35
